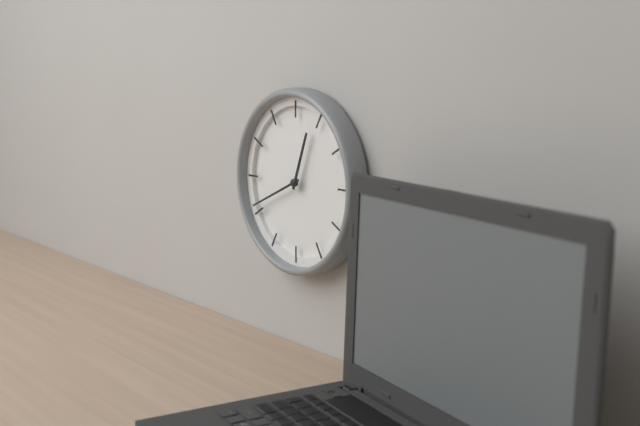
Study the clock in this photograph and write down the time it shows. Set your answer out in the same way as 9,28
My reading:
12,41
